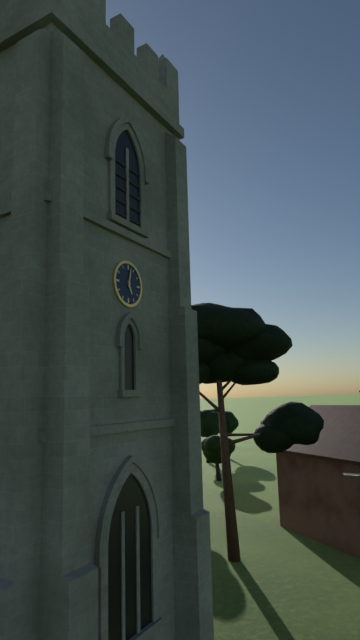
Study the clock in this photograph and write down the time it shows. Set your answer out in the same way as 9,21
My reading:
5,02
